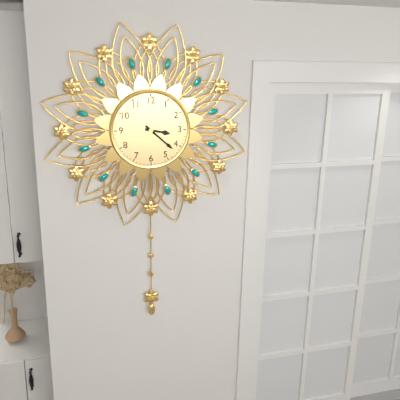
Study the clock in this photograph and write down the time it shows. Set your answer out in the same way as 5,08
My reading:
3,22
